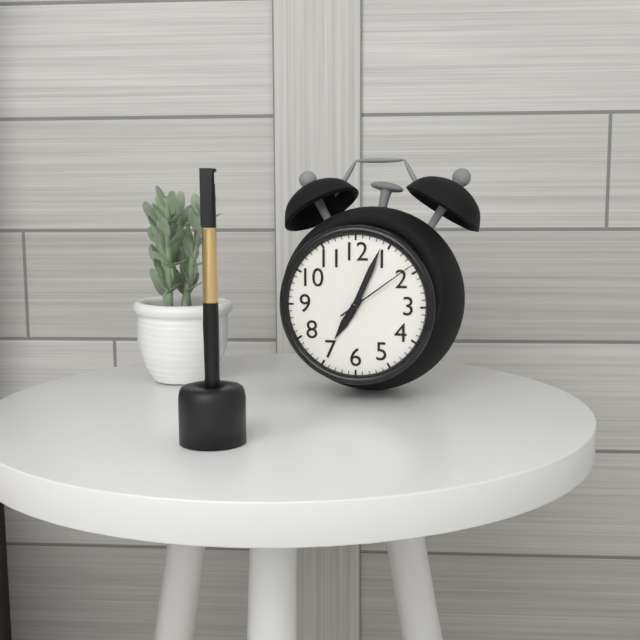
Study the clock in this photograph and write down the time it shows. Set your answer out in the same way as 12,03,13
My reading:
7,04,09
